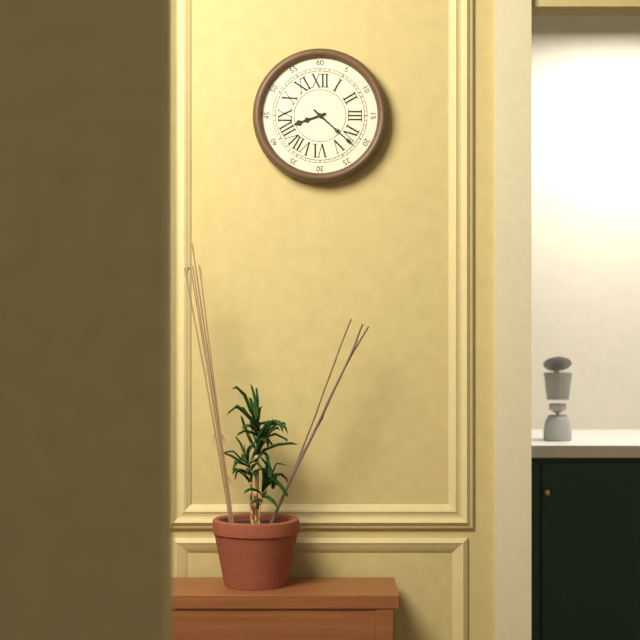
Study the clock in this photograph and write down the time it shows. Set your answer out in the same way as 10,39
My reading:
8,22
